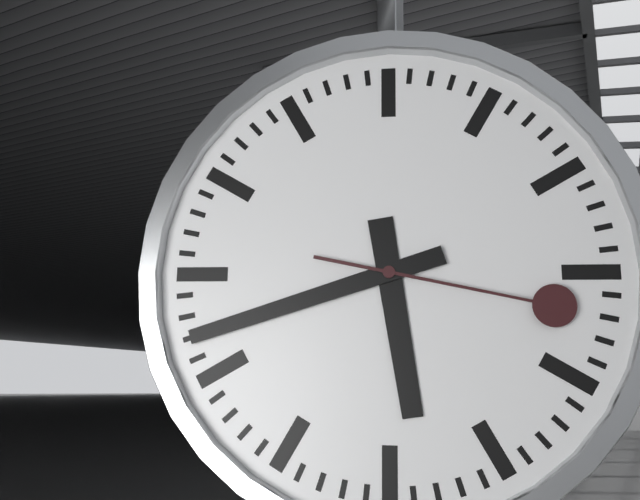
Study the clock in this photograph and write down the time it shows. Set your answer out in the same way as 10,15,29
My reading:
5,42,17
